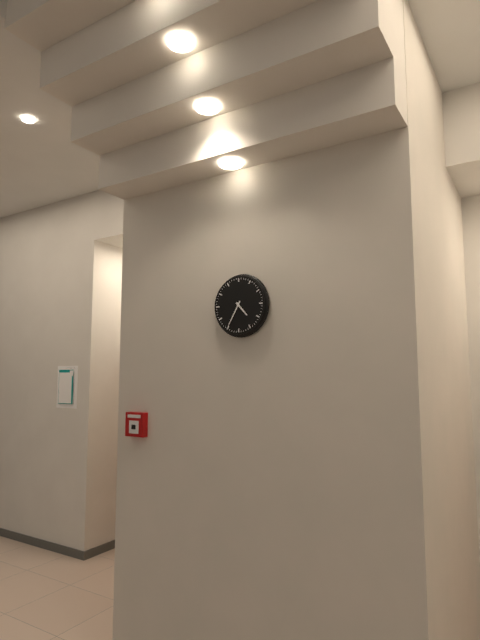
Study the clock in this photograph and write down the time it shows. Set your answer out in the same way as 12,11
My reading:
4,35
